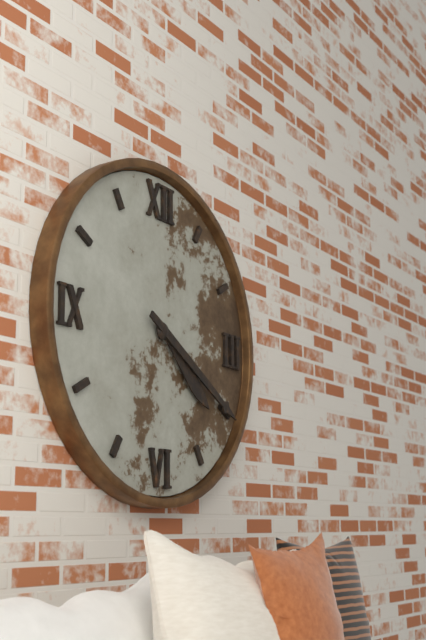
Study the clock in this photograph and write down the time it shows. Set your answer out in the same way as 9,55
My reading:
4,20
